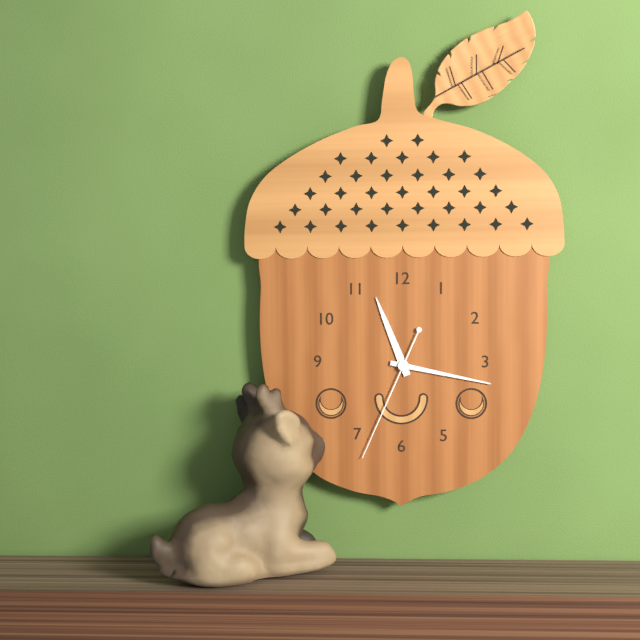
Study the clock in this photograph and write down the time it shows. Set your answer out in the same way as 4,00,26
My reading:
11,17,34
